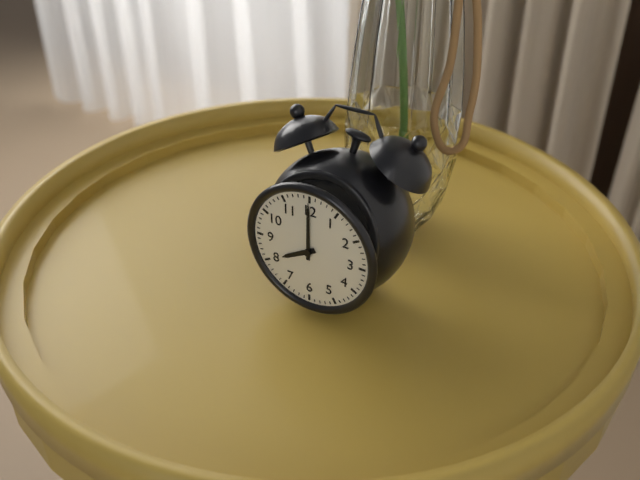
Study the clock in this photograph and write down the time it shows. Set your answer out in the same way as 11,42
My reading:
8,00
